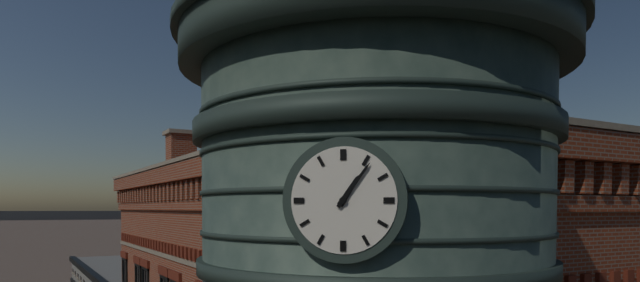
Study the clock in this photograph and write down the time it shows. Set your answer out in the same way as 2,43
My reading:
1,06
